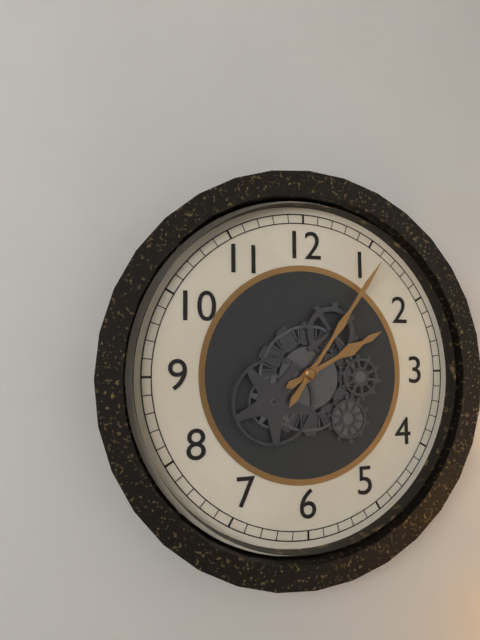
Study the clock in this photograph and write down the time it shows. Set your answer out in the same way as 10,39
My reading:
2,06
